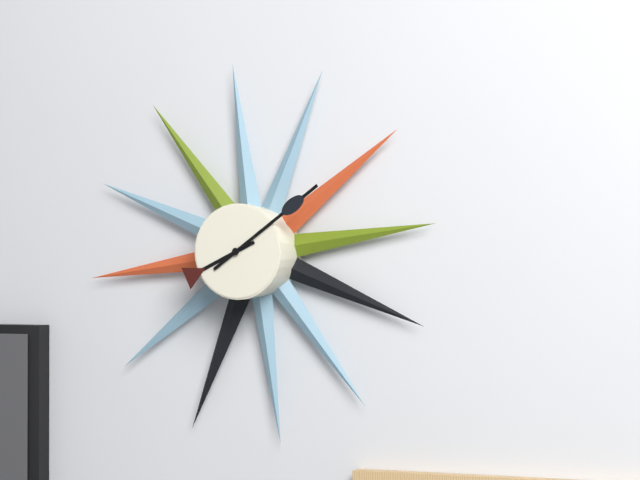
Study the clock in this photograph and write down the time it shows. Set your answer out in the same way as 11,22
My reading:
8,09
